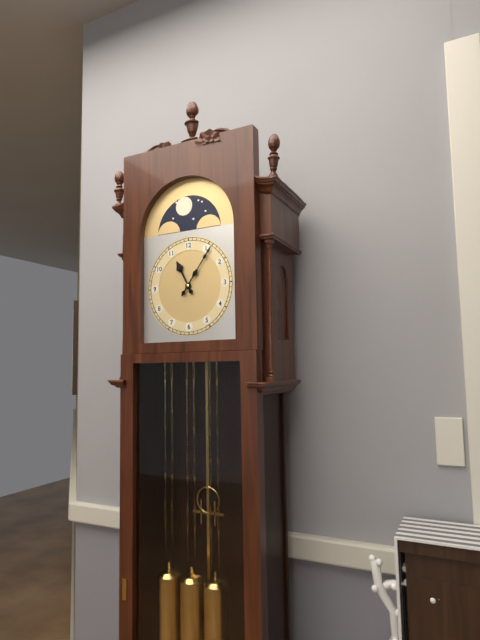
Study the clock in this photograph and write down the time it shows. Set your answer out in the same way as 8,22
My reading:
11,06
